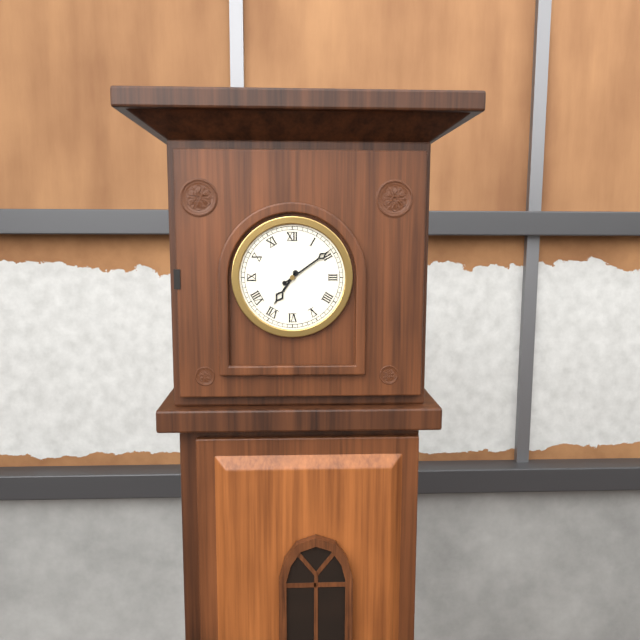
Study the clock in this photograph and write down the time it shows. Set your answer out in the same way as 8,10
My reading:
7,09
